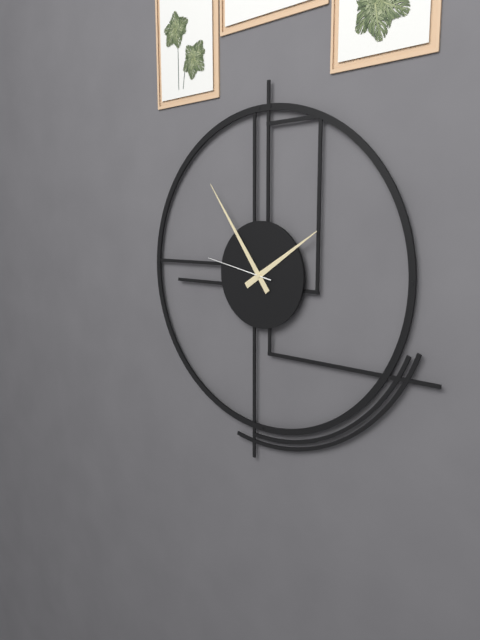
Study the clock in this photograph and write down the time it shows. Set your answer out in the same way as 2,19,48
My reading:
1,54,47
